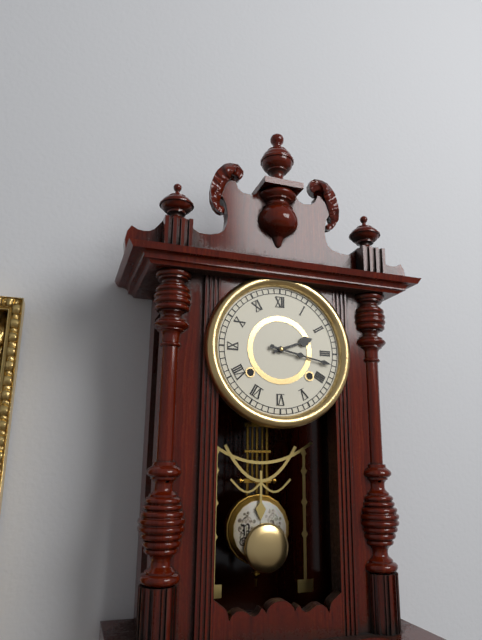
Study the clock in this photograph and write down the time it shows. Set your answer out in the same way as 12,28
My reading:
2,17
